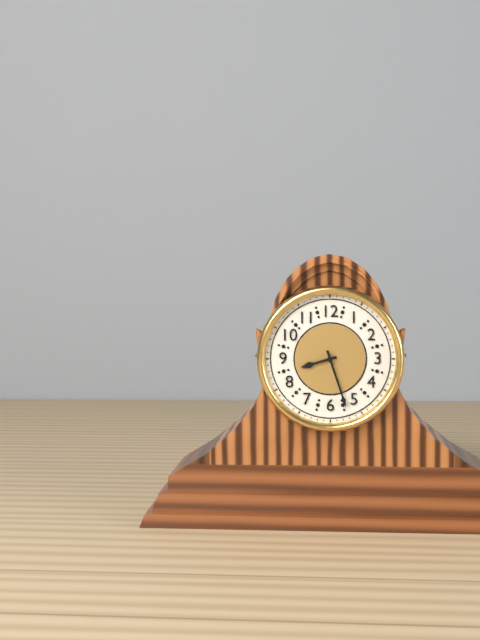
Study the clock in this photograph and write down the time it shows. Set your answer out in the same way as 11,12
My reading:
8,27
